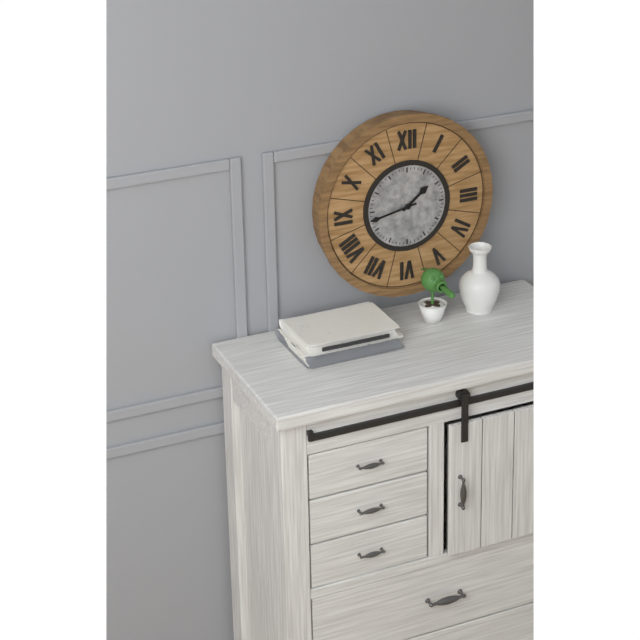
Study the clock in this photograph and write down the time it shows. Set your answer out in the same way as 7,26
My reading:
1,43
